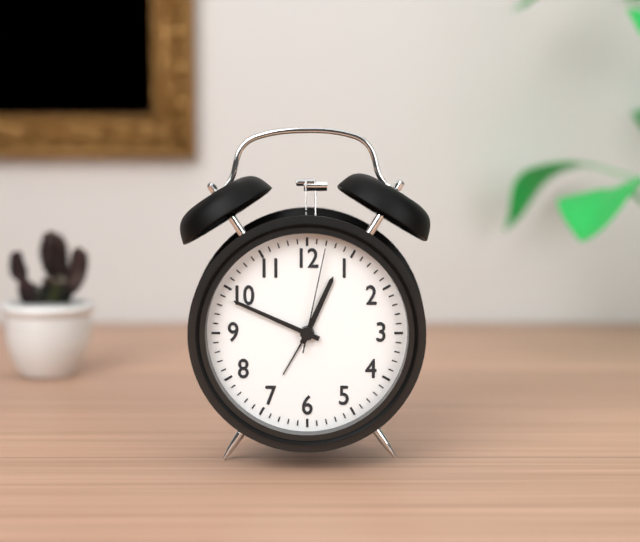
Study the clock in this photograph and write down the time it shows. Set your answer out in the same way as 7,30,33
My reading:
12,49,02
